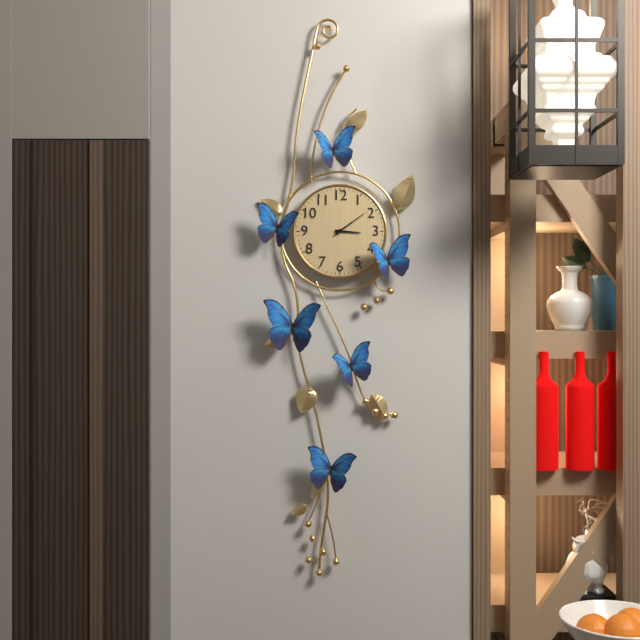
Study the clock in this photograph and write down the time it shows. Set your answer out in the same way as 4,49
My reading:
3,09
